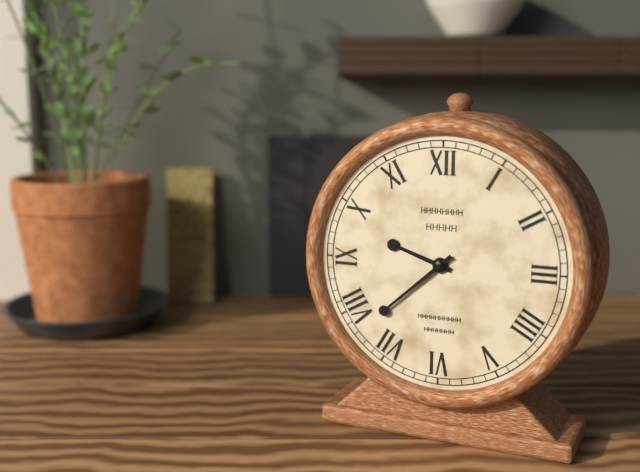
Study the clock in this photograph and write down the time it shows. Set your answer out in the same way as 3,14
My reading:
9,38
